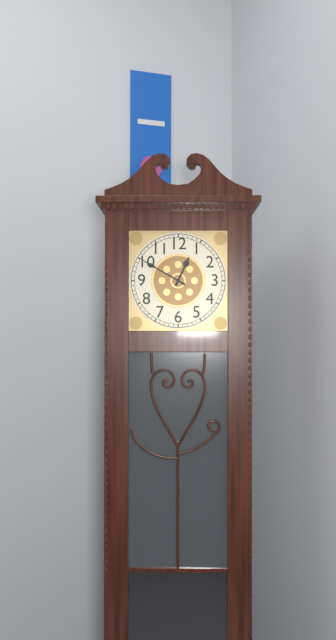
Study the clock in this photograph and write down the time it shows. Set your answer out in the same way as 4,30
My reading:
12,50
